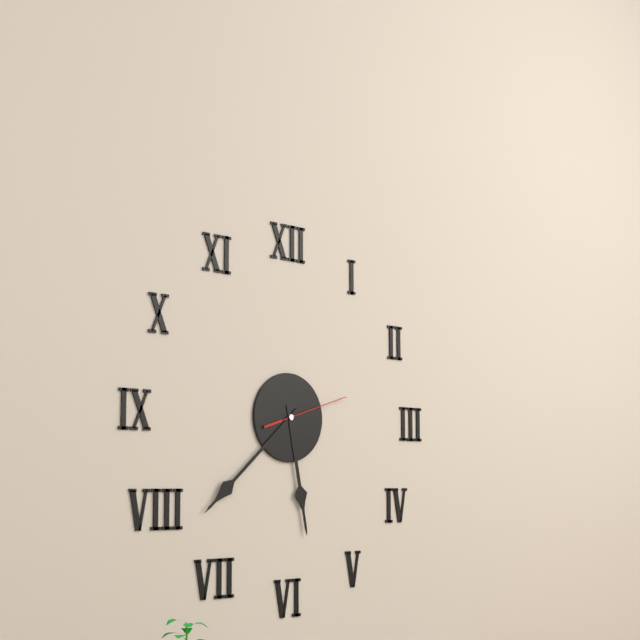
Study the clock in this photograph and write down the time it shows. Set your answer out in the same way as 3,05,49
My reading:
5,38,12
